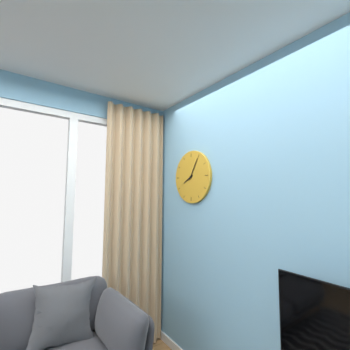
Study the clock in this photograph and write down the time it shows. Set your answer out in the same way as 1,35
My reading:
8,05
